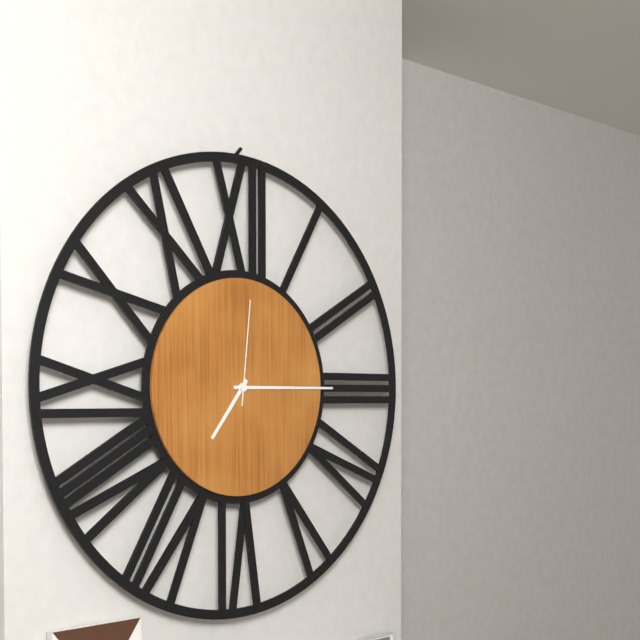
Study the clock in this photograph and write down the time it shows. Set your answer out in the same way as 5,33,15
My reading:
7,15,01
